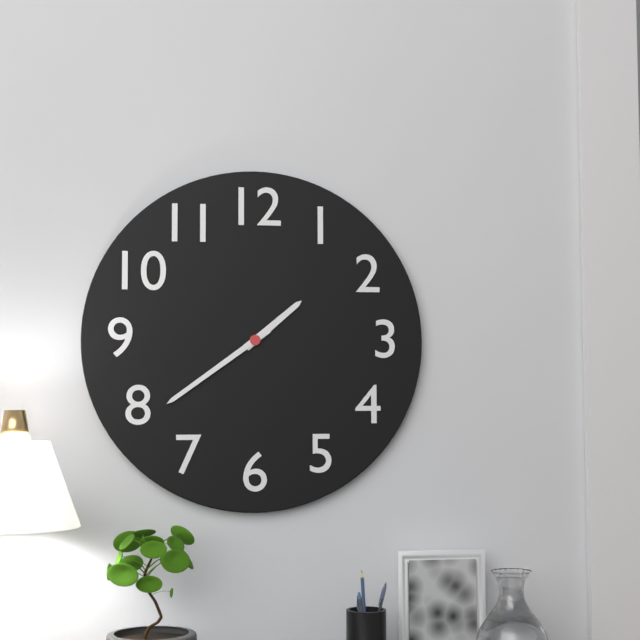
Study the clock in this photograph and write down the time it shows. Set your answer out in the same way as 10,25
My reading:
1,39
